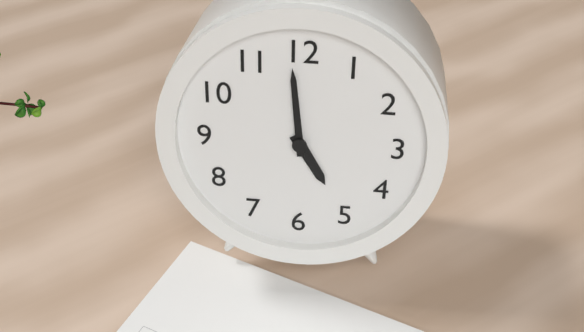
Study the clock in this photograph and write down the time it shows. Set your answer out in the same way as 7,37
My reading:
4,59
